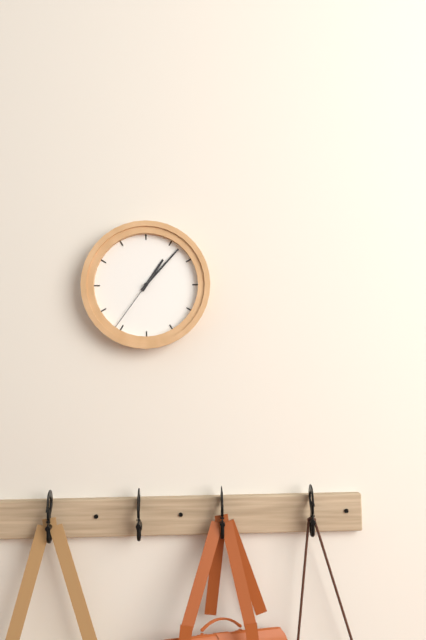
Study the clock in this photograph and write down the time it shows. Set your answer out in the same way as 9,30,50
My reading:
1,07,36
